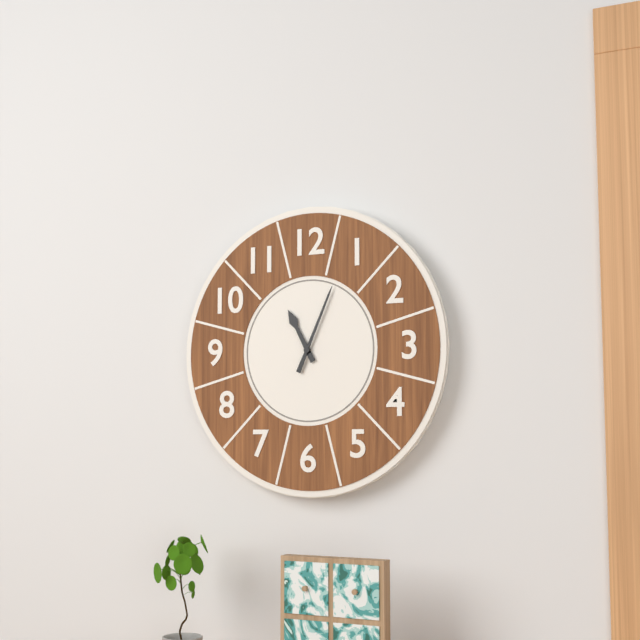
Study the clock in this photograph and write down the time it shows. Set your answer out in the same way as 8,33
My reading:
11,04
